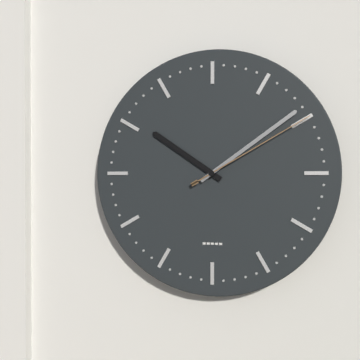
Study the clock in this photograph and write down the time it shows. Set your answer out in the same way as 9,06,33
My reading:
10,09,10
